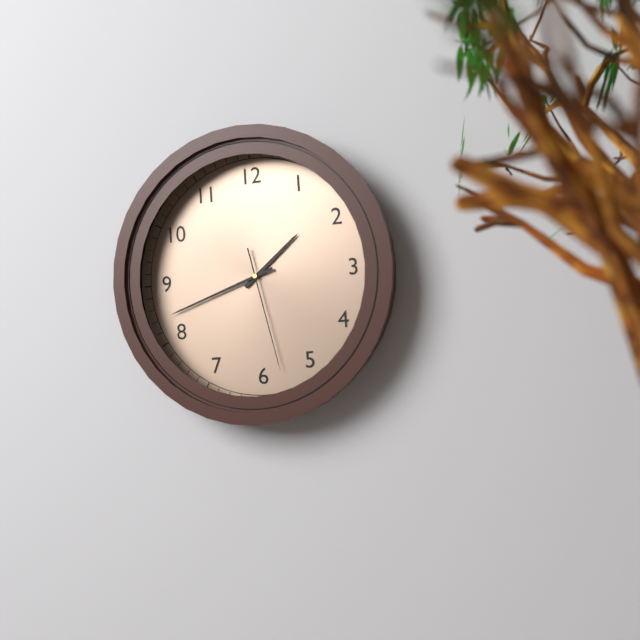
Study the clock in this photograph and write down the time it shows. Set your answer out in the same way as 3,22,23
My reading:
1,42,28
